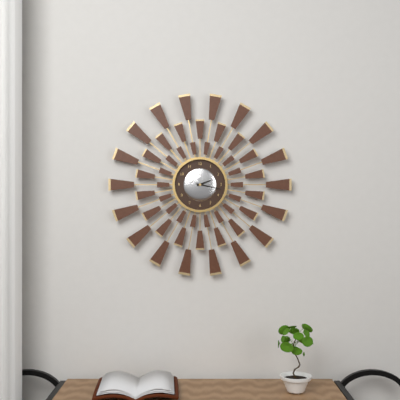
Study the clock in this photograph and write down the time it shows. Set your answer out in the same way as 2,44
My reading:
2,17
